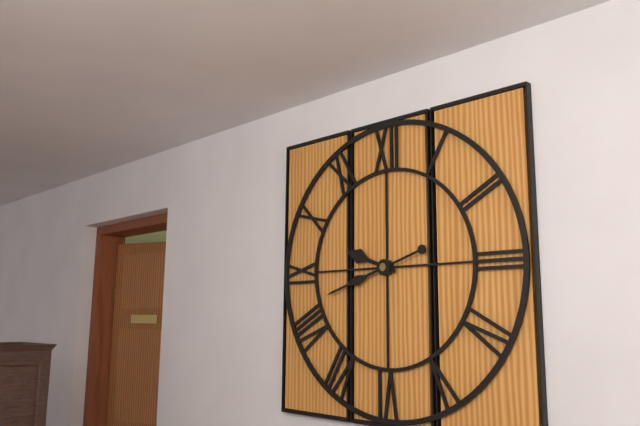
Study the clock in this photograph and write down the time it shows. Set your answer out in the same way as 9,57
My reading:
9,42
